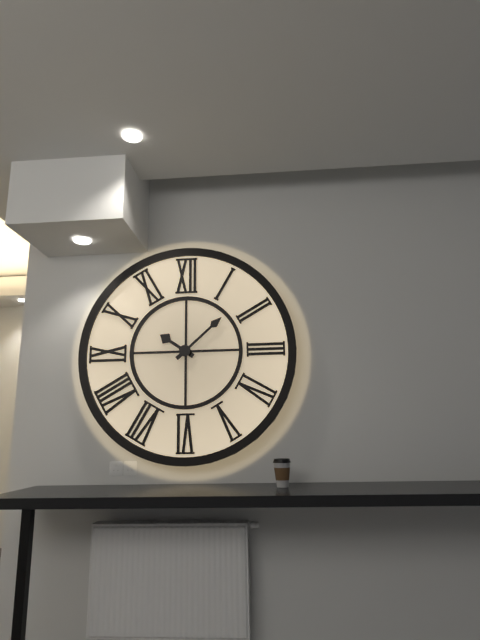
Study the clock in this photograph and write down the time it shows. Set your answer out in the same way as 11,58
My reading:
10,08
